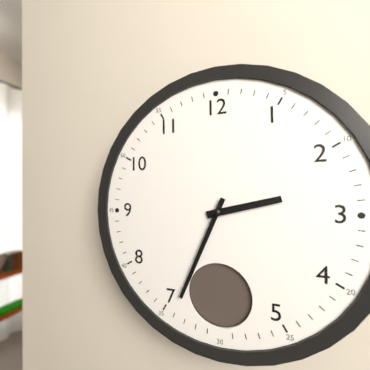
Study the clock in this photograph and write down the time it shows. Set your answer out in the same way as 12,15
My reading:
2,34
